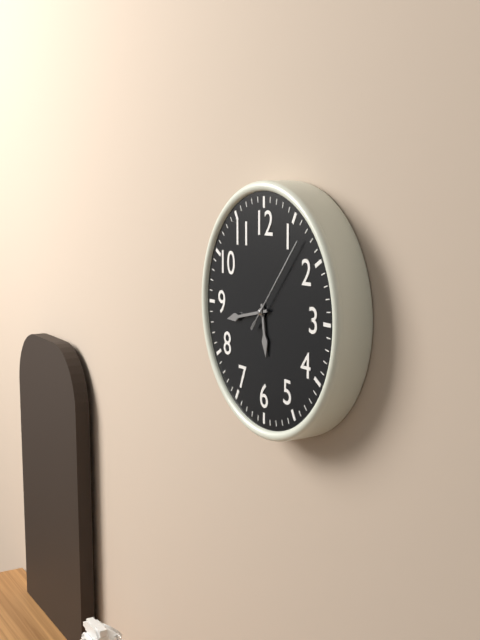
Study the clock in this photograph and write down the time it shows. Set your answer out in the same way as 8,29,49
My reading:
5,43,07
